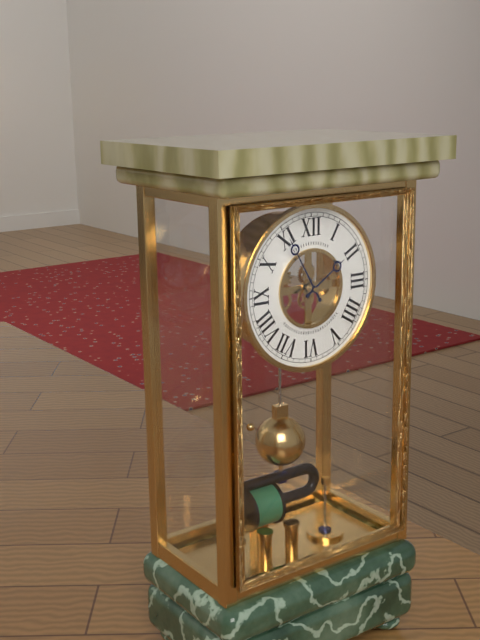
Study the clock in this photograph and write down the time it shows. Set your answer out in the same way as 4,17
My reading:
1,55
